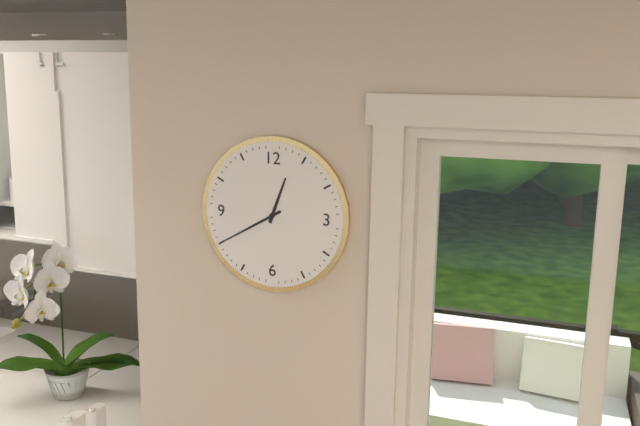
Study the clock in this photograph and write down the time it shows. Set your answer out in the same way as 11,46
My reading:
12,40
